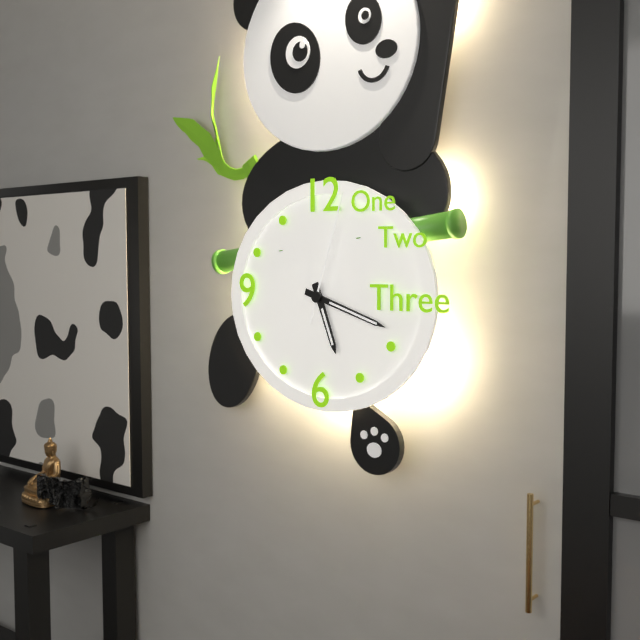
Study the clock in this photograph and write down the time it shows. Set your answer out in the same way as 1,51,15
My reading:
5,18,03
